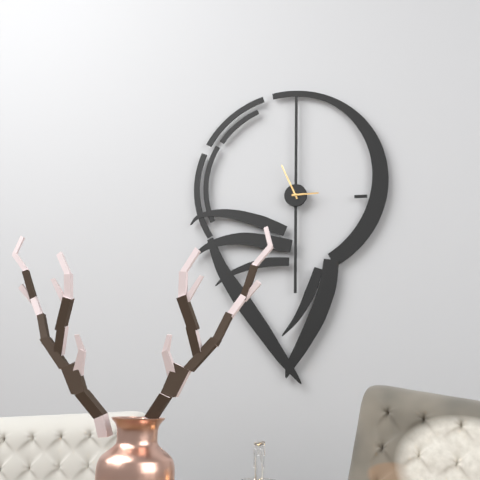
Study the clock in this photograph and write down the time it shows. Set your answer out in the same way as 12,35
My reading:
2,56
